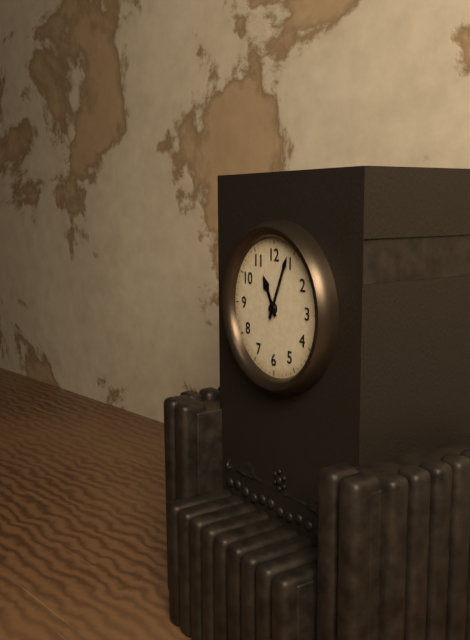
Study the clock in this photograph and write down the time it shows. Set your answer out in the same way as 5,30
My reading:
11,04
